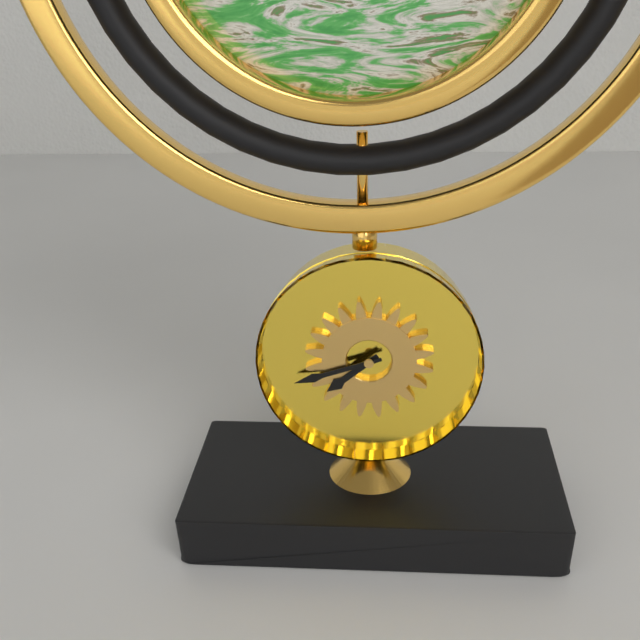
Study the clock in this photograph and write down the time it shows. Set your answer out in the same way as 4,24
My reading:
7,42
